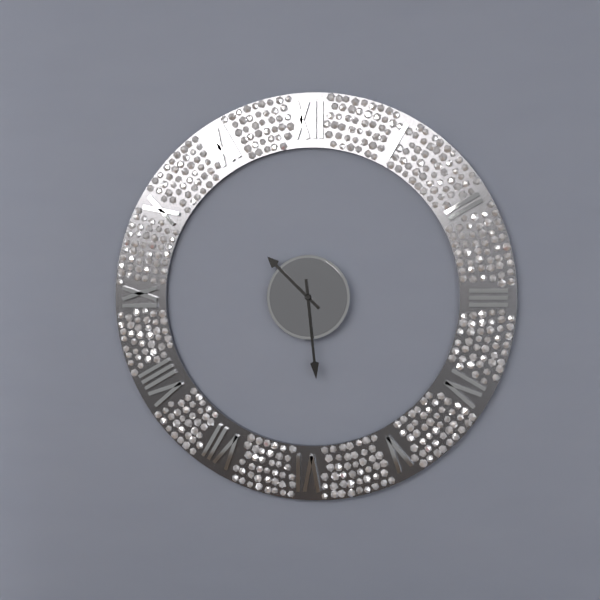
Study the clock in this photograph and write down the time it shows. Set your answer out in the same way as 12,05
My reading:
10,29
